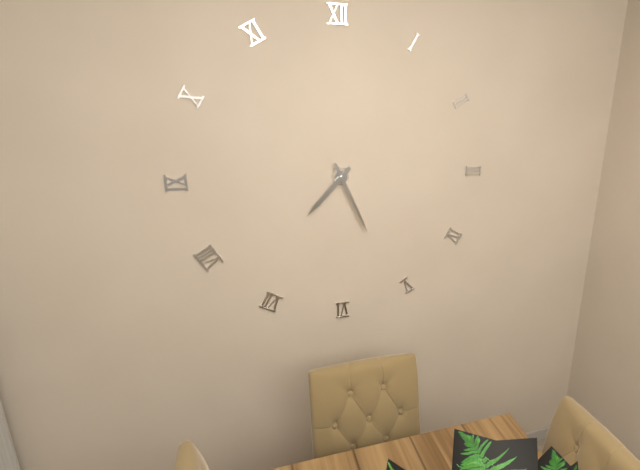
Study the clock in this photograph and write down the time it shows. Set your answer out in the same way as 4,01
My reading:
7,26
